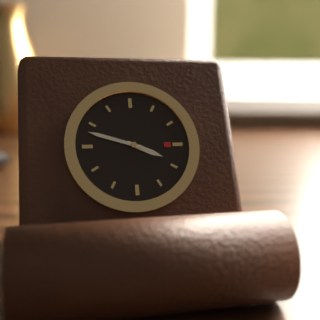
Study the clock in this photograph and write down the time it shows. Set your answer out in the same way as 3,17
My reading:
3,48
